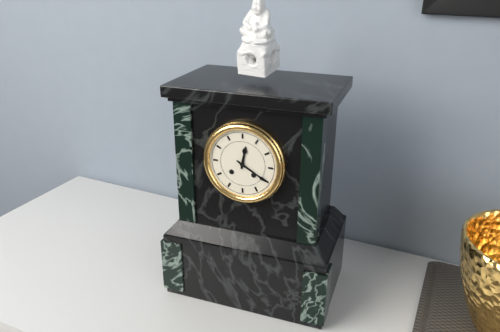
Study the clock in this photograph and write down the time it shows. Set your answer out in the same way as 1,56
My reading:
12,20
